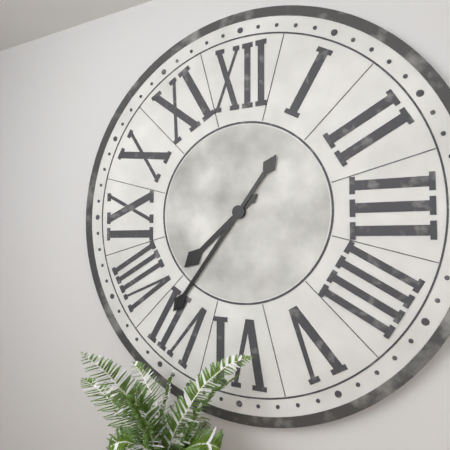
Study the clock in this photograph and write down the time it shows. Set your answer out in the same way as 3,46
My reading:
7,36
